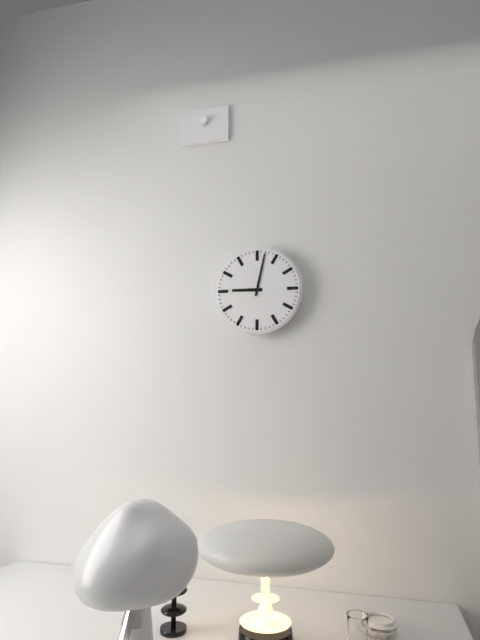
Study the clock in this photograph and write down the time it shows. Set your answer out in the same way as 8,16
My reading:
9,02
